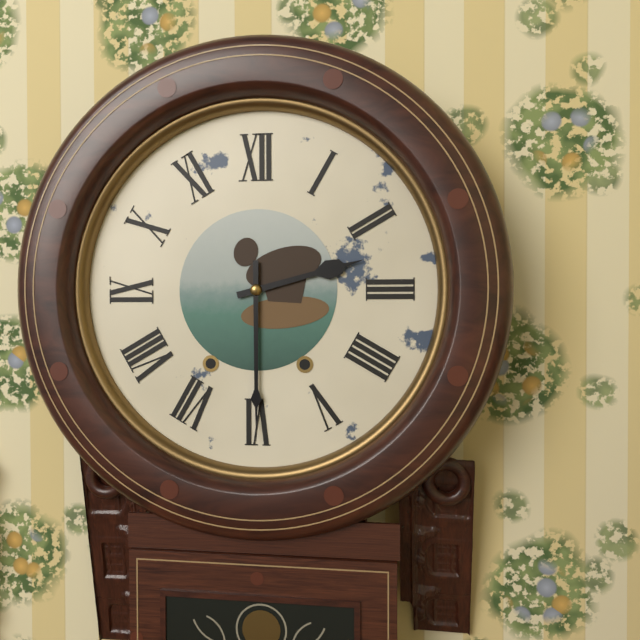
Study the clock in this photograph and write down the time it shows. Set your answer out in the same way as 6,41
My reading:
2,30
